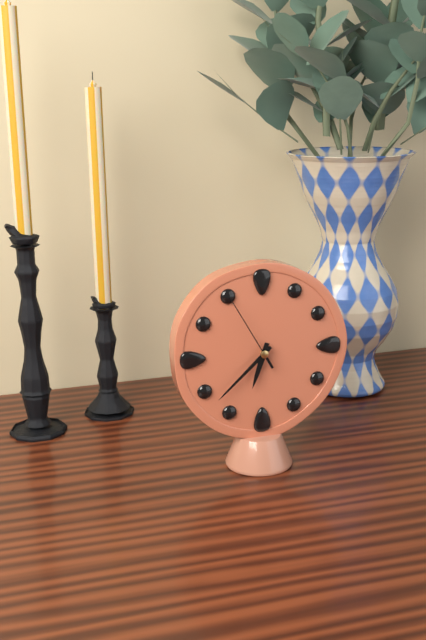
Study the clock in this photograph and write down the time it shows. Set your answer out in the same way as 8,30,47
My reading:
6,38,55
